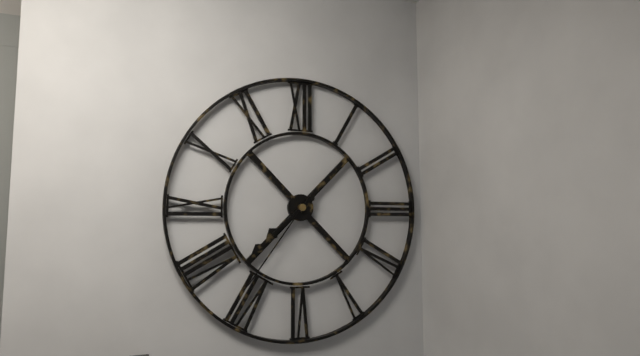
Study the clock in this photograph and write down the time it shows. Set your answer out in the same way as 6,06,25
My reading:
7,38,36
